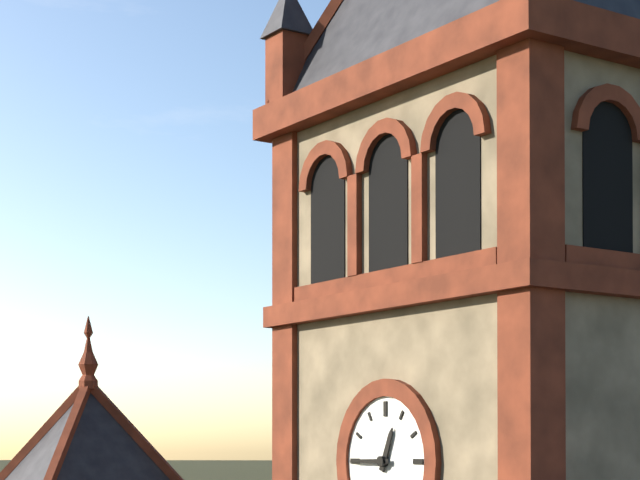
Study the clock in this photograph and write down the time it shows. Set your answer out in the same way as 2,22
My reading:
12,45
